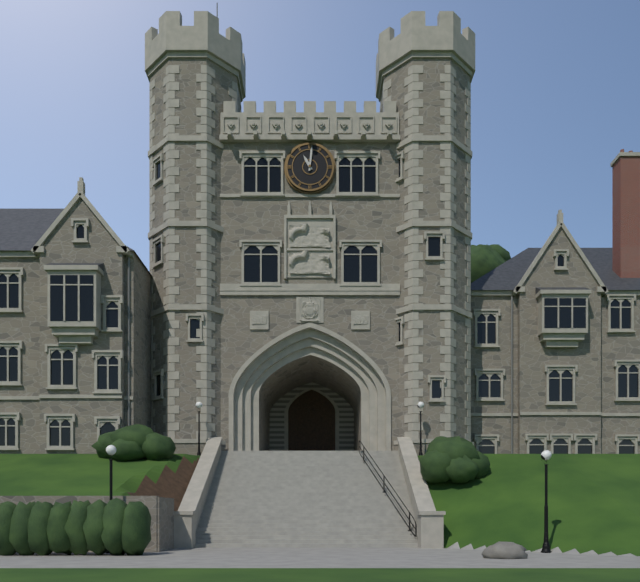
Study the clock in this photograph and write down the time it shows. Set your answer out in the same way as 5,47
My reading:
11,01
